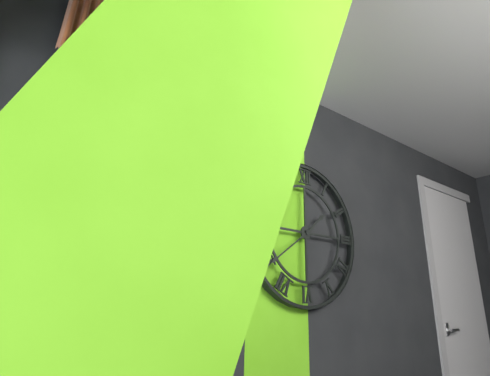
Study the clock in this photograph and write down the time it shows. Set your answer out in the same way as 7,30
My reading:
1,39
